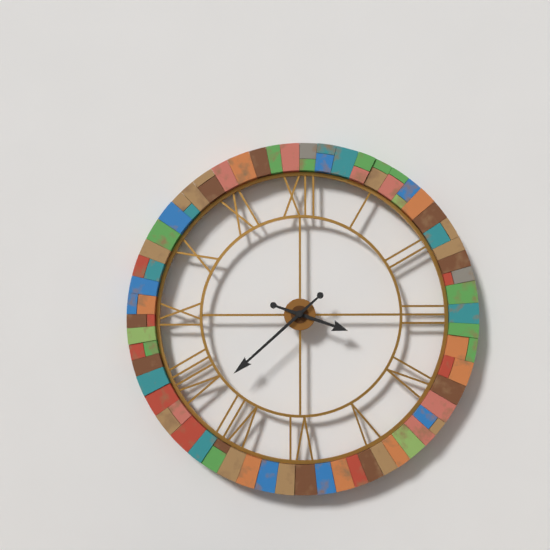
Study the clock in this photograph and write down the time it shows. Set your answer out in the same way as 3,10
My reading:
3,38
